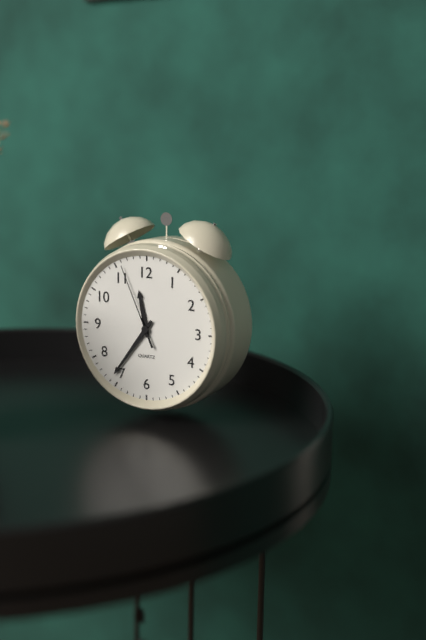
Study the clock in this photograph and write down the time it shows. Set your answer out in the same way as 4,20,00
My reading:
11,36,56
